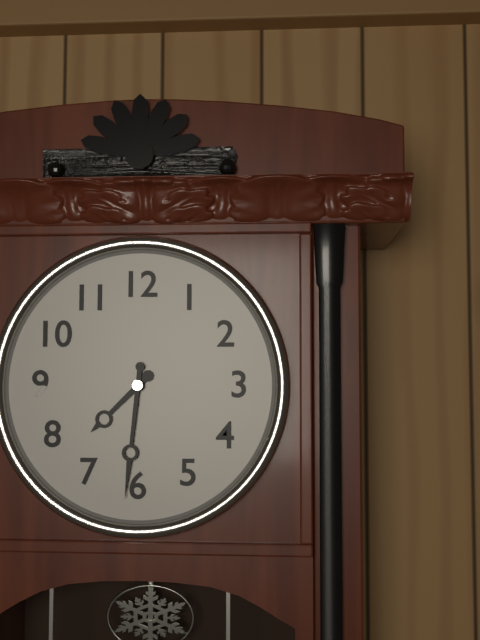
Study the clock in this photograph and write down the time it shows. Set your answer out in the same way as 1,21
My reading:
7,31
